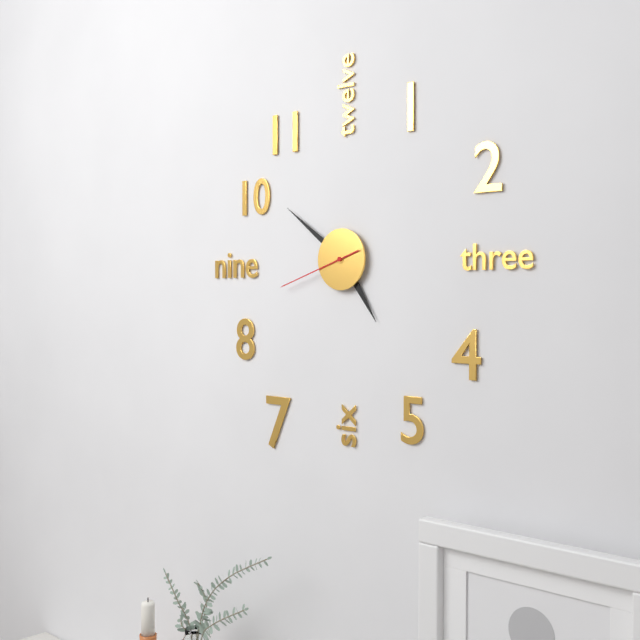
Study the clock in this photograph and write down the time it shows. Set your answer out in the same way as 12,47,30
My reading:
4,51,42
